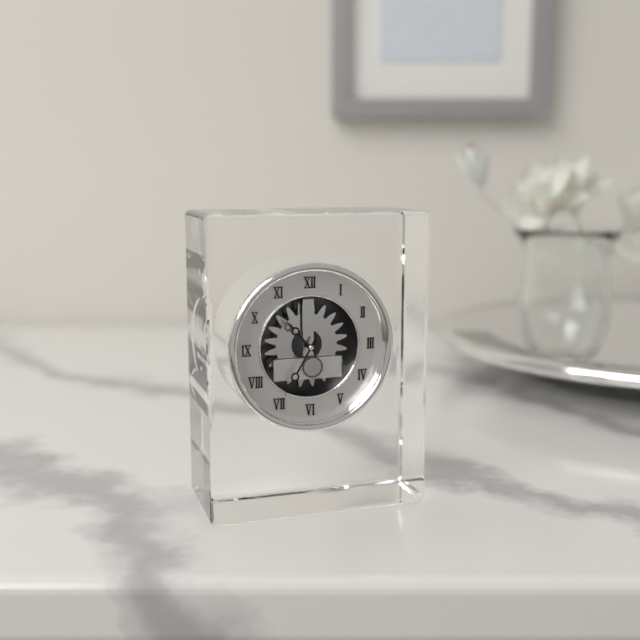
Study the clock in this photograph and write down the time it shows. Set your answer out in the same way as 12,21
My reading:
10,35
